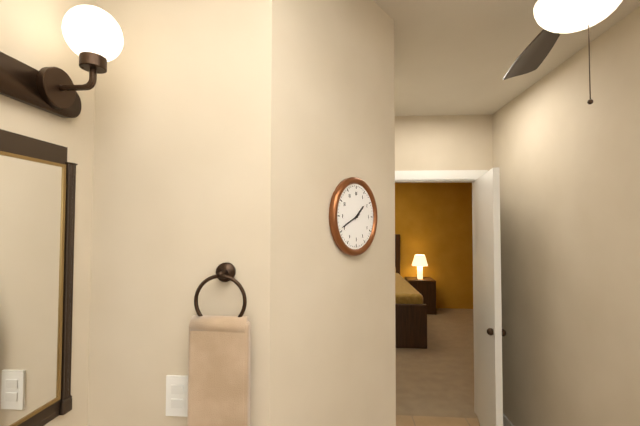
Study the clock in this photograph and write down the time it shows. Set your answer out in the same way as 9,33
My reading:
1,41
